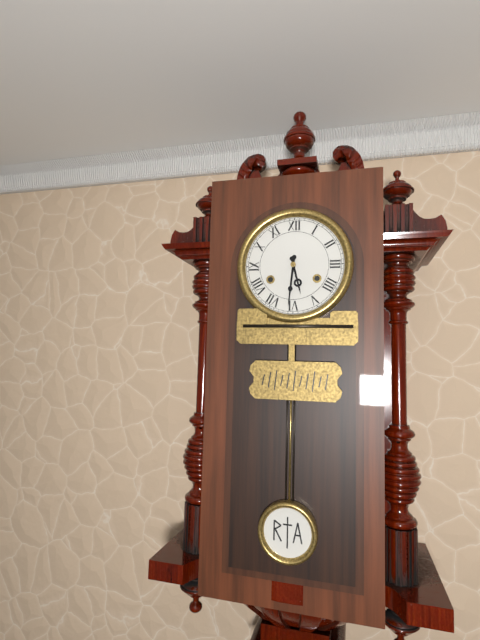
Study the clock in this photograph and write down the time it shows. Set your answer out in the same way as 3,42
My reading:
5,31
